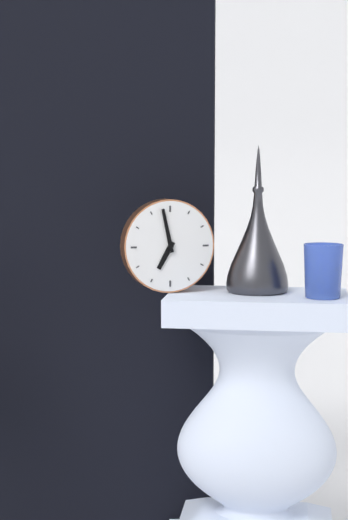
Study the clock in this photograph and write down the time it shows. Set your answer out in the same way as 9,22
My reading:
6,58
